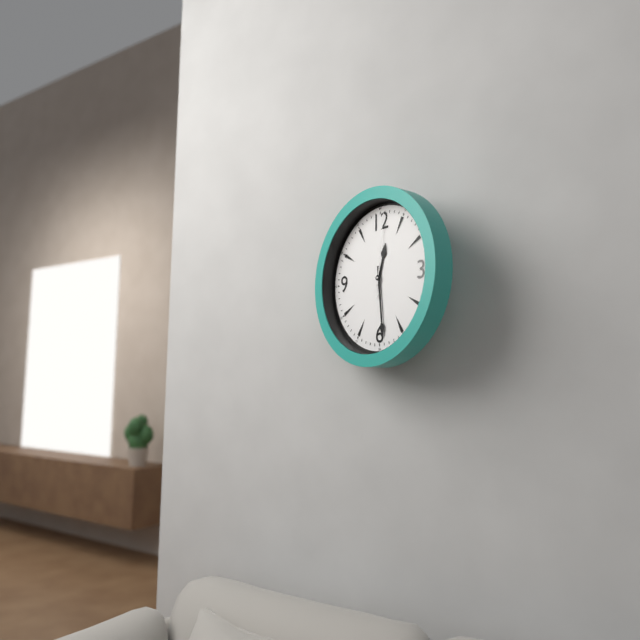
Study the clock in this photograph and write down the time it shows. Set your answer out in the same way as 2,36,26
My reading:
12,29,01
